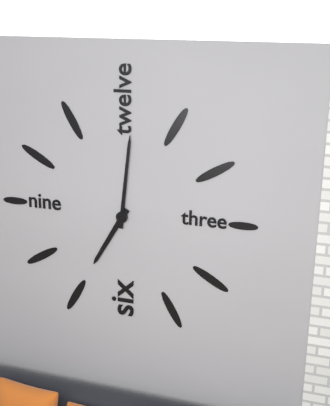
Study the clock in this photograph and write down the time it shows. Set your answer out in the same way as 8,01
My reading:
7,01
